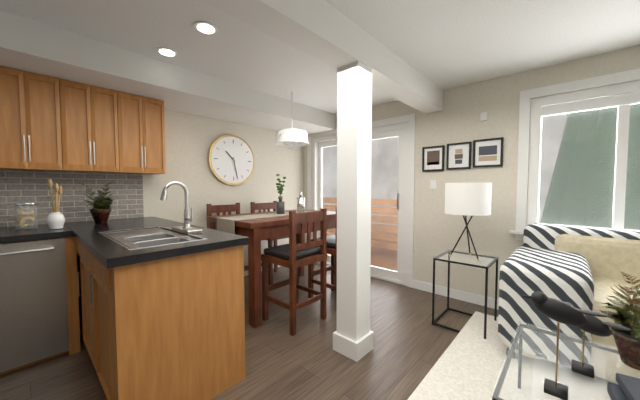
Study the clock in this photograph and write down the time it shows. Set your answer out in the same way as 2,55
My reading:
10,28
